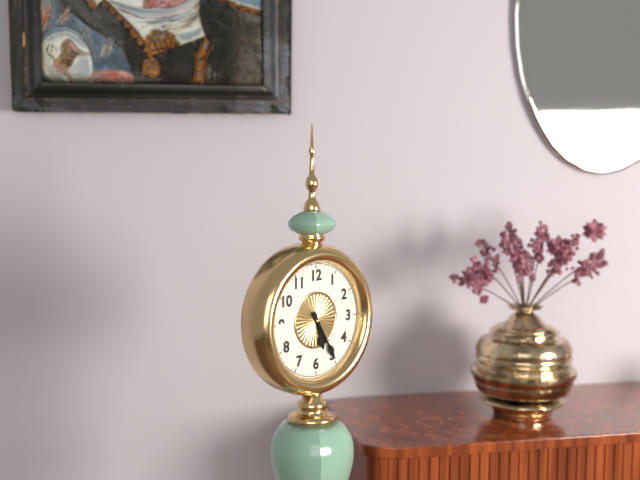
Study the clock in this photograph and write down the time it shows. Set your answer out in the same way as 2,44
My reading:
5,25
